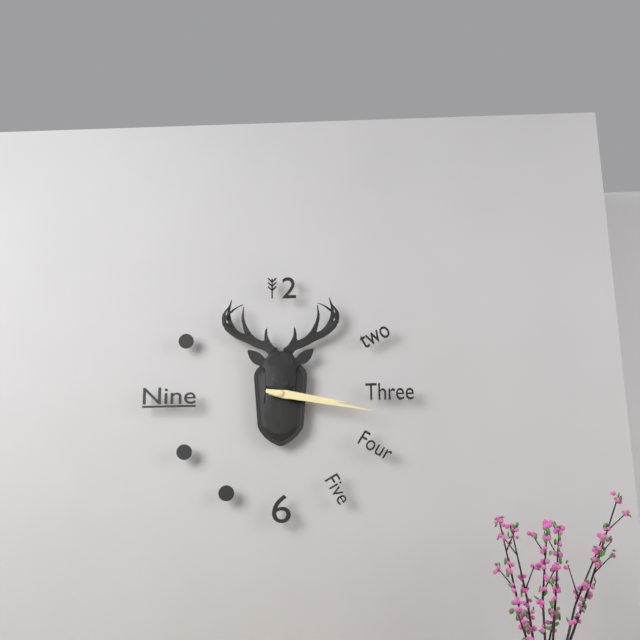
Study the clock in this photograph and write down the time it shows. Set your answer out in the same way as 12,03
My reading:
3,17
